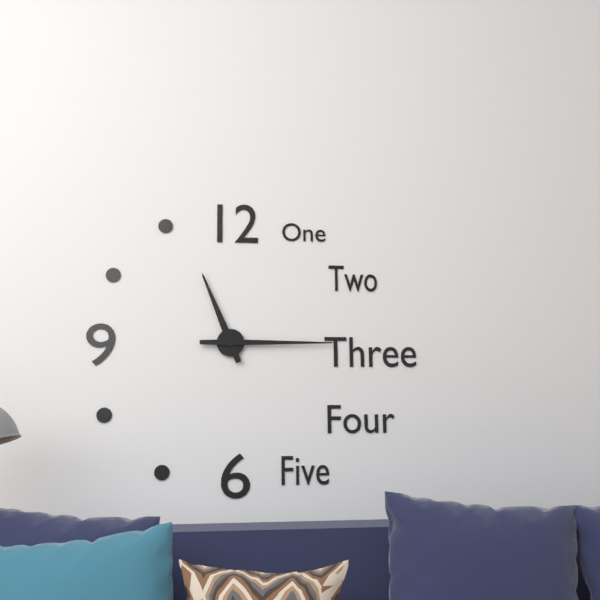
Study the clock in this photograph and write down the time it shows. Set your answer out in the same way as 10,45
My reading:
11,15
